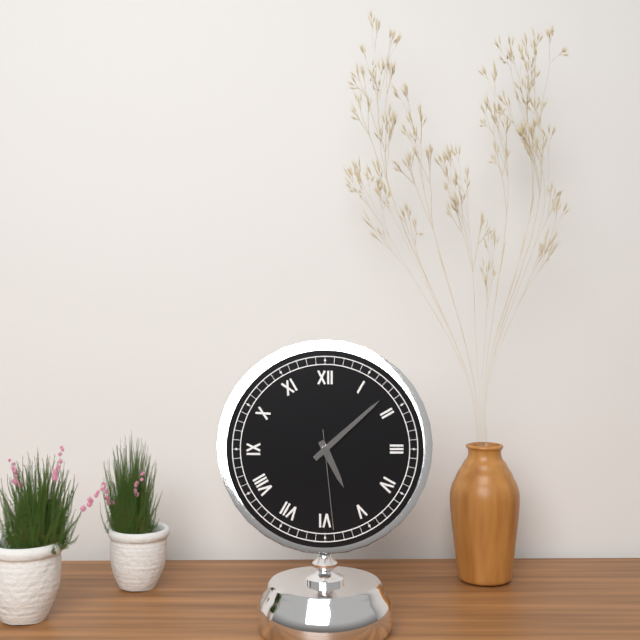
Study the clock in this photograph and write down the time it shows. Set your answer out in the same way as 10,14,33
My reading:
5,08,29
